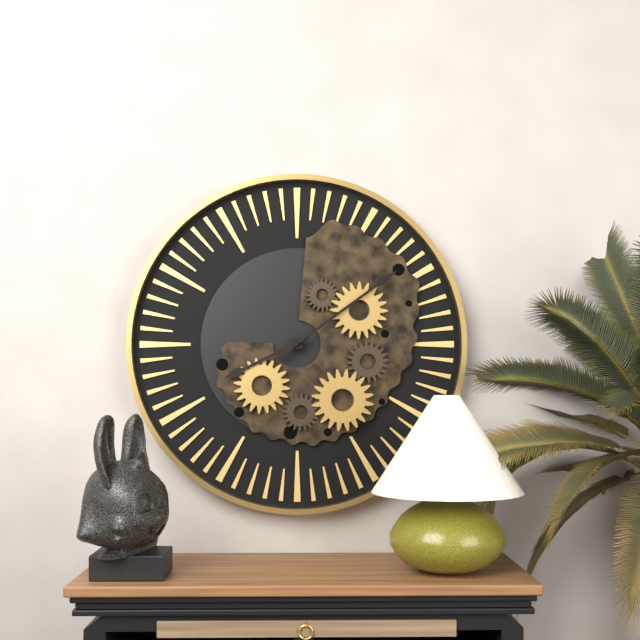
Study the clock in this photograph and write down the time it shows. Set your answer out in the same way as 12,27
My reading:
8,09
